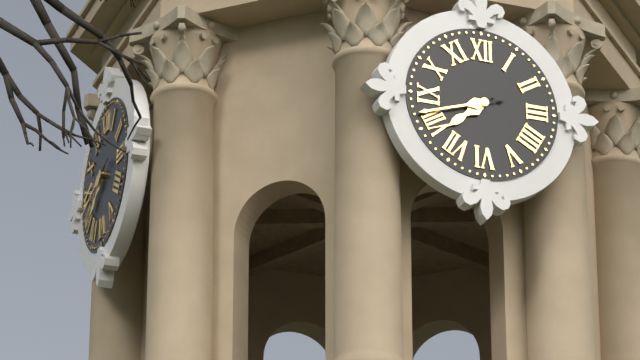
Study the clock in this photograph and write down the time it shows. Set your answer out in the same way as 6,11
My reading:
7,42
